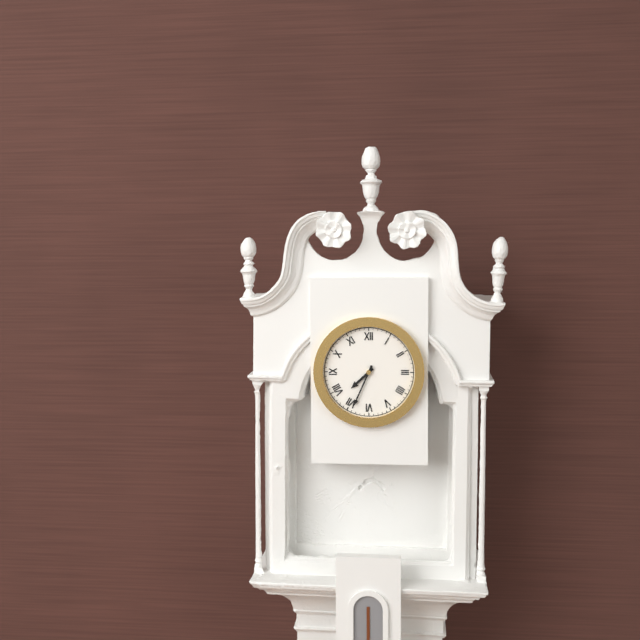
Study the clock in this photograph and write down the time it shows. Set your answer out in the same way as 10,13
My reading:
7,34
